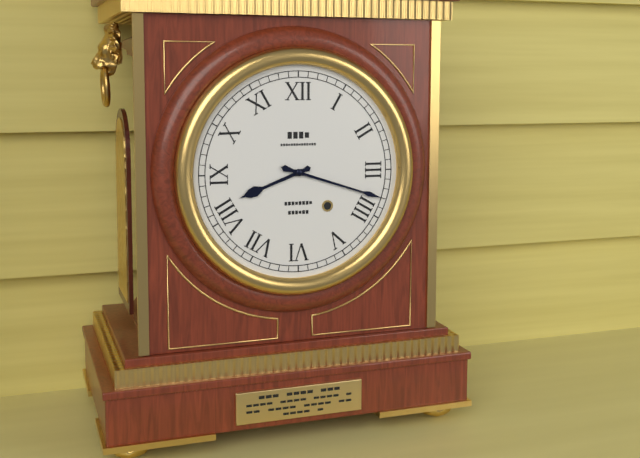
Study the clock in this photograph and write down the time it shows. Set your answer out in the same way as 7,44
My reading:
8,18
